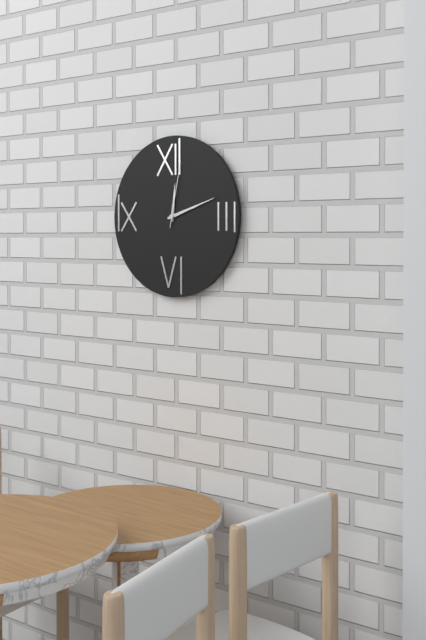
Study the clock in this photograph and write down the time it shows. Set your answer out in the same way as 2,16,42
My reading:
12,12,02
